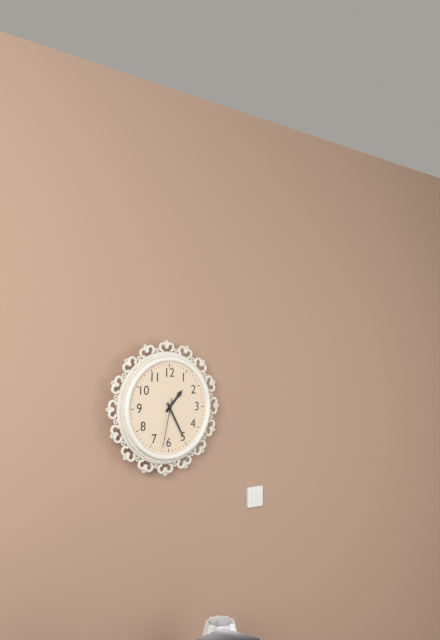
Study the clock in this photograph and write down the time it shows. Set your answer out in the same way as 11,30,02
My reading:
1,25,32
